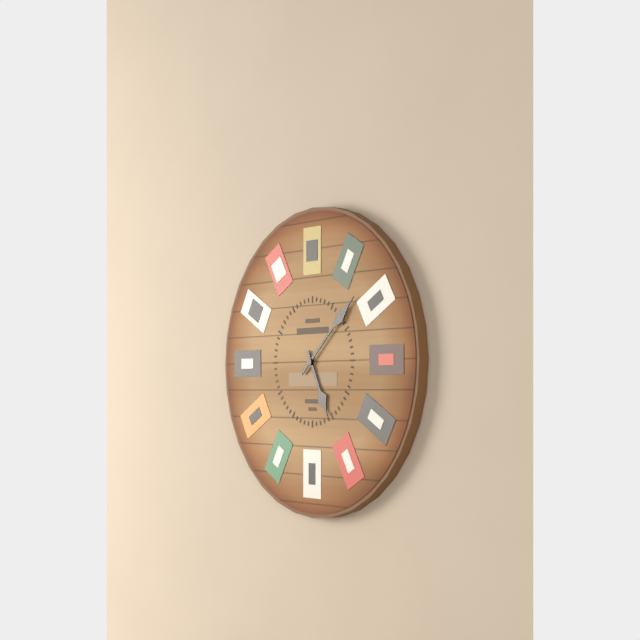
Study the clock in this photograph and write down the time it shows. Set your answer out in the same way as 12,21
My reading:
5,08
